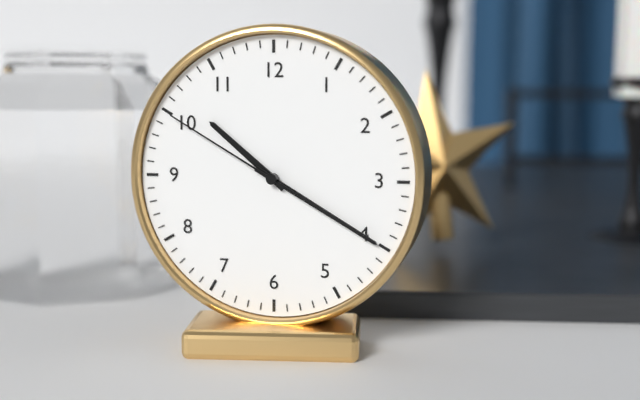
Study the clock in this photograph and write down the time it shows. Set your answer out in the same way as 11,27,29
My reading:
10,20,50
